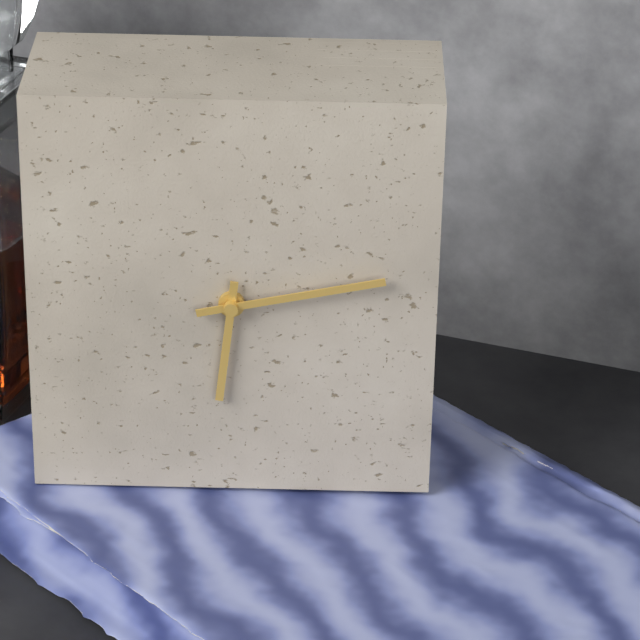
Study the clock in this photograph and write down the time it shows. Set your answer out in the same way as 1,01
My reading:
6,13
